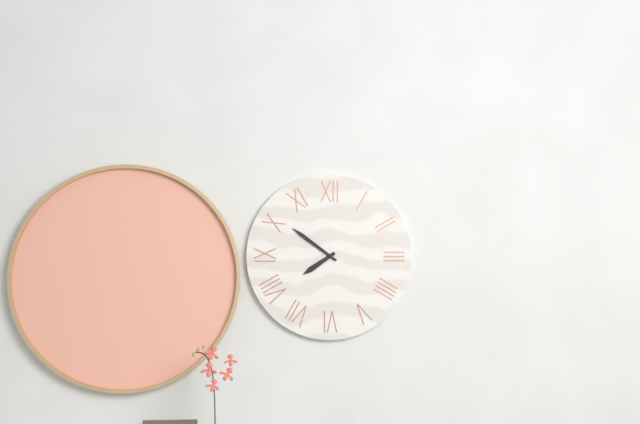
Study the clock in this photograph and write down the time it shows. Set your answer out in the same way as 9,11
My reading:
7,51
